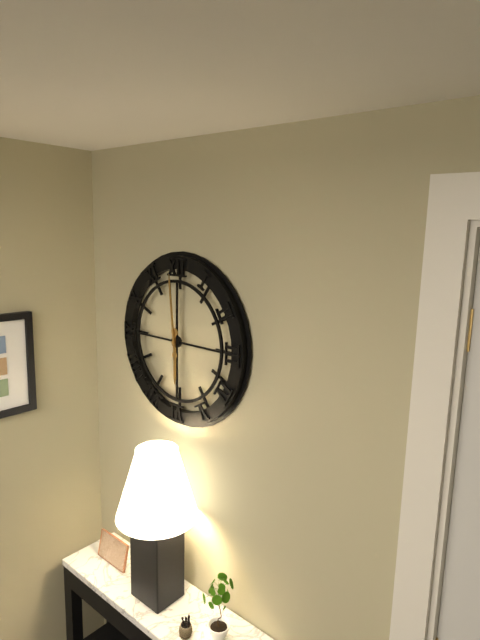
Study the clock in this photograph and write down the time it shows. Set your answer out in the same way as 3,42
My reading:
5,59
